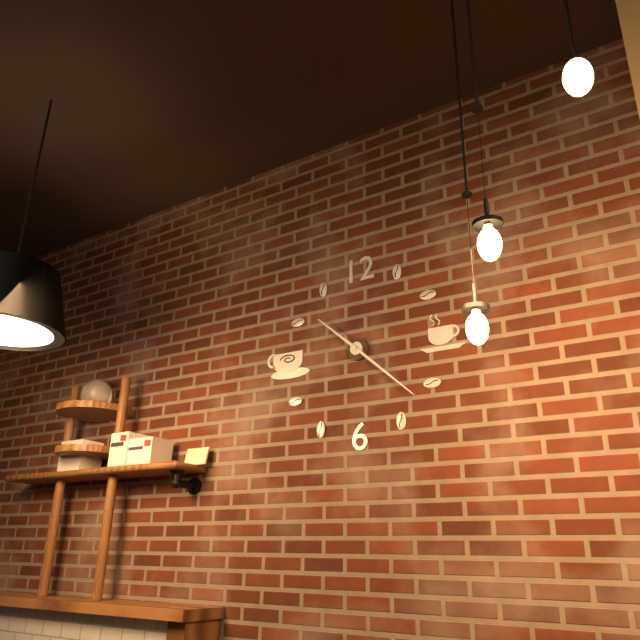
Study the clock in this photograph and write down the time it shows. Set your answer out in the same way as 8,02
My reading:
10,22
